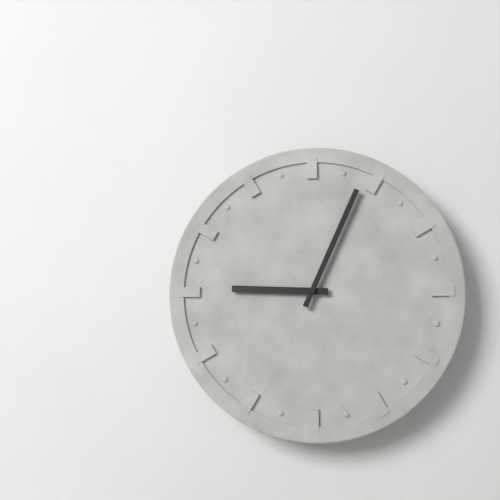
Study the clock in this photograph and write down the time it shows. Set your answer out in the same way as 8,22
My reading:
9,04
